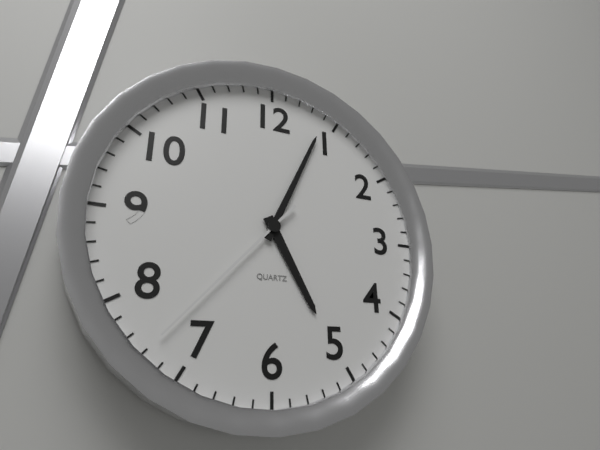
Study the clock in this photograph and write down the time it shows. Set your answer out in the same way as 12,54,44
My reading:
5,04,37
